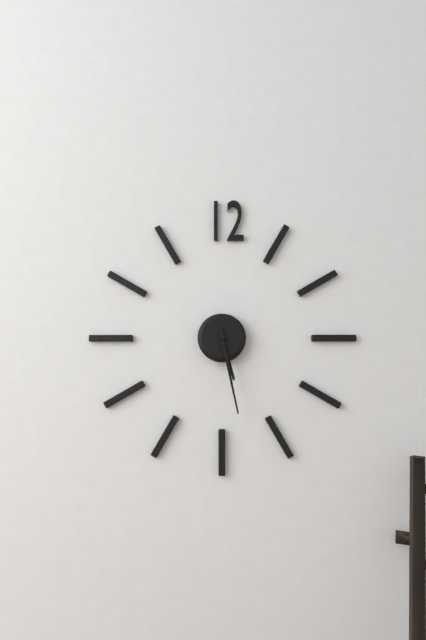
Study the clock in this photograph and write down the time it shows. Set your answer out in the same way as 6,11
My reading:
5,28
